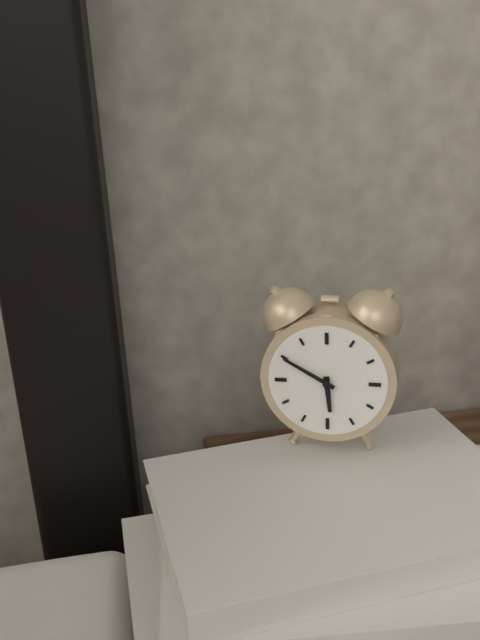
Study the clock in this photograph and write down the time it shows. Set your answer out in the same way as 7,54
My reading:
5,50
